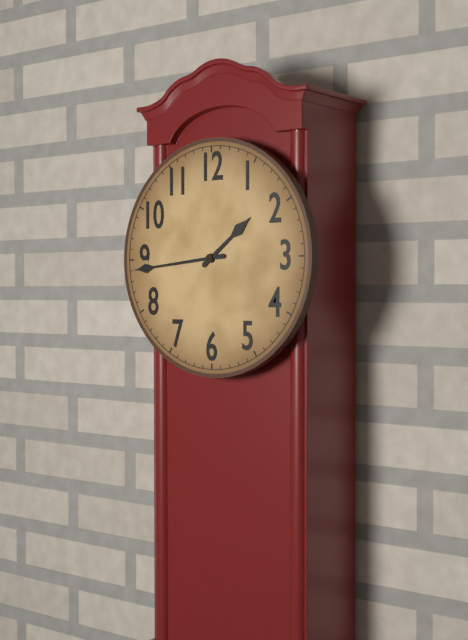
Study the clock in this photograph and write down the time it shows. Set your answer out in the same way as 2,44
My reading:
1,44
